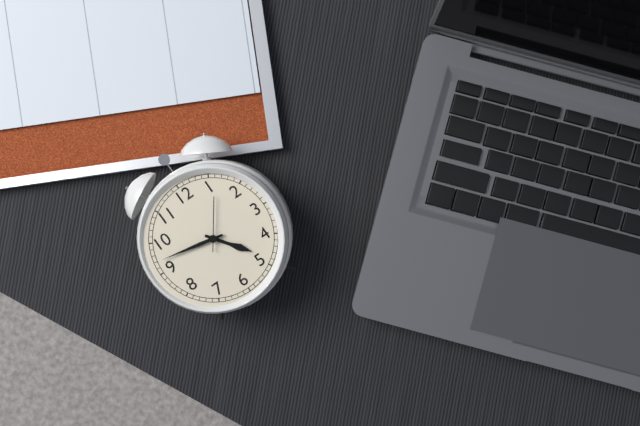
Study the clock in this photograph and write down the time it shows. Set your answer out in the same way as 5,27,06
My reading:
4,47,06
